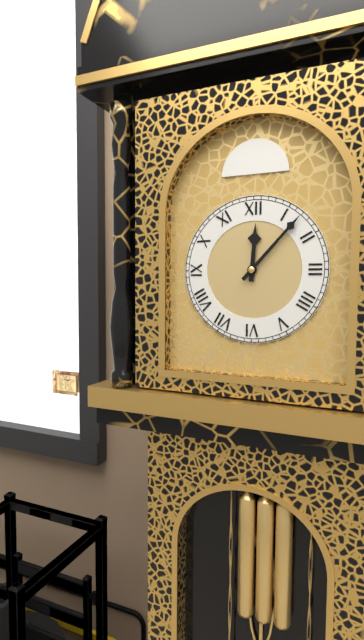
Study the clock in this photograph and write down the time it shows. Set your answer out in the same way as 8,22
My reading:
12,07
